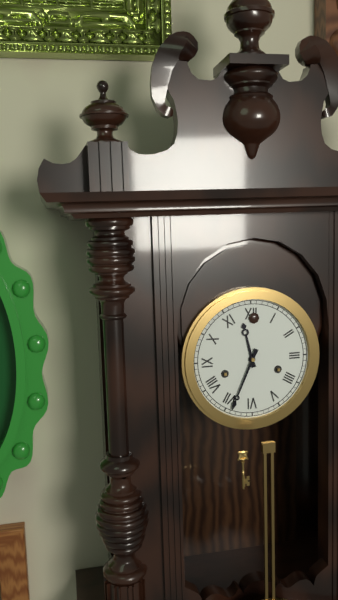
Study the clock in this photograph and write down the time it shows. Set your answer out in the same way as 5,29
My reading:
11,34
